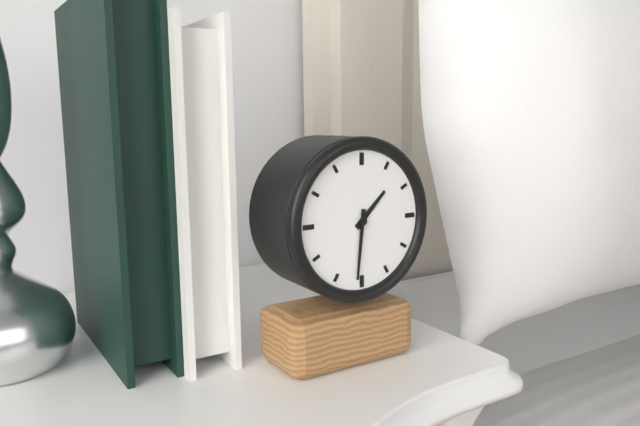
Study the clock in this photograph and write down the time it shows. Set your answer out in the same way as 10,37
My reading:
1,31
